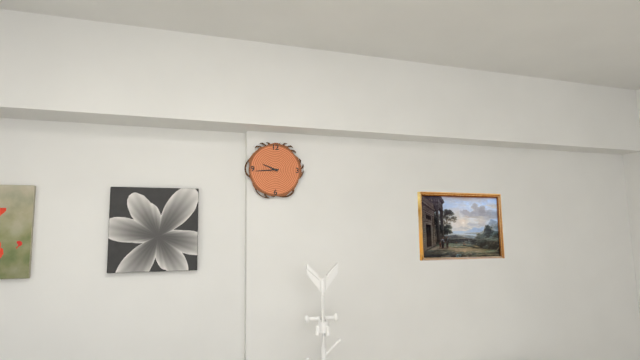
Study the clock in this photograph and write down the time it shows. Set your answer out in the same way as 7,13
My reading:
9,44
